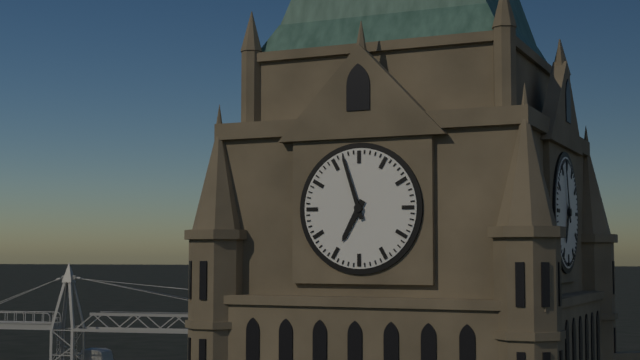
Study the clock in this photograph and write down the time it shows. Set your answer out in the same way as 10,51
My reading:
6,57
